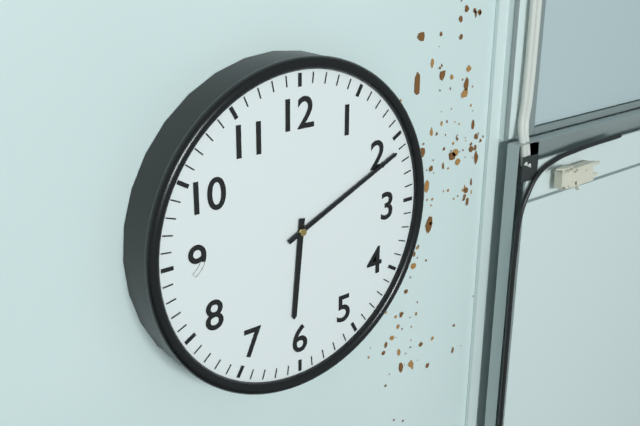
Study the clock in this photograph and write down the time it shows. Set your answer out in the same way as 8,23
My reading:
6,11
